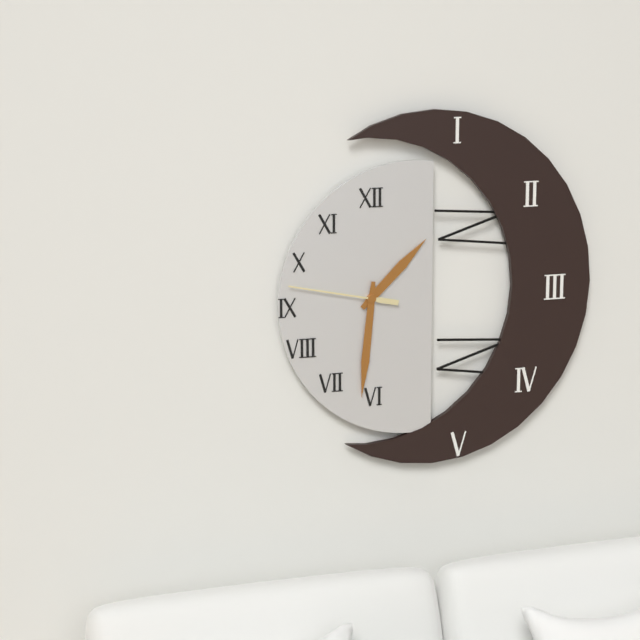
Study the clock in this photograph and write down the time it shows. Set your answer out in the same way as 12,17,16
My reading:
1,31,47
